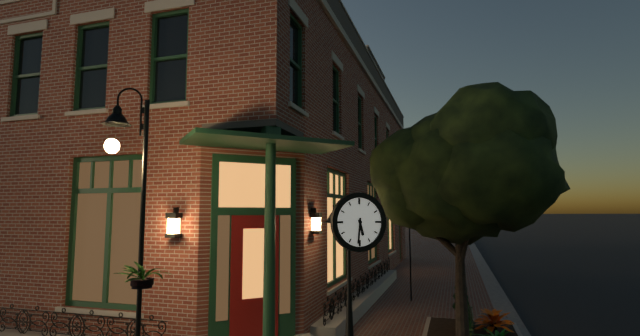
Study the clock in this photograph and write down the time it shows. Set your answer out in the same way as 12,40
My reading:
5,31
